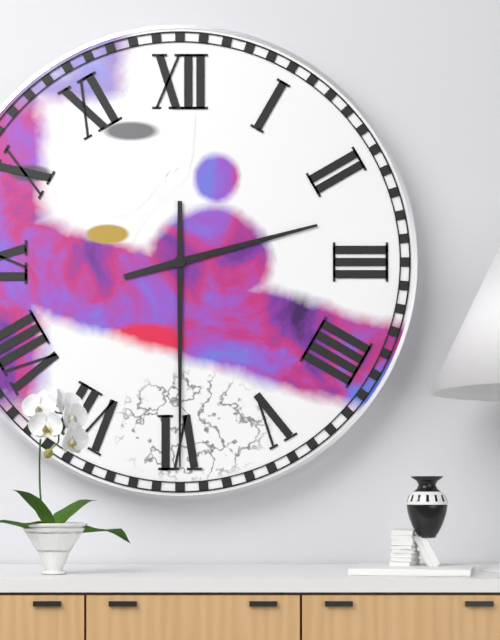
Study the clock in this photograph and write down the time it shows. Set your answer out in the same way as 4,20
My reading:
2,30
